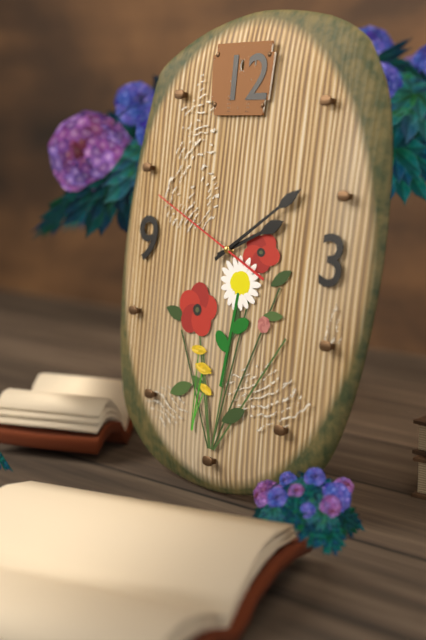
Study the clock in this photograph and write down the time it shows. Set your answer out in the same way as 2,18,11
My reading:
2,09,49
